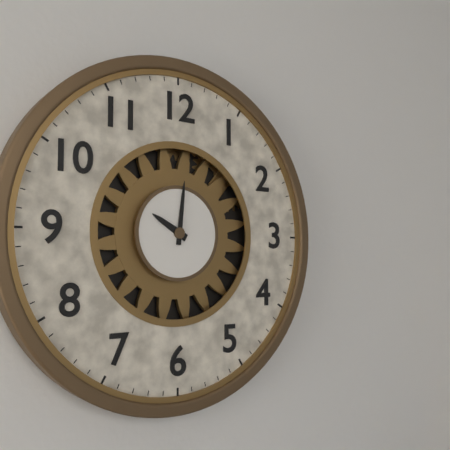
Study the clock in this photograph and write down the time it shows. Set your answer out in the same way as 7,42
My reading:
10,01
